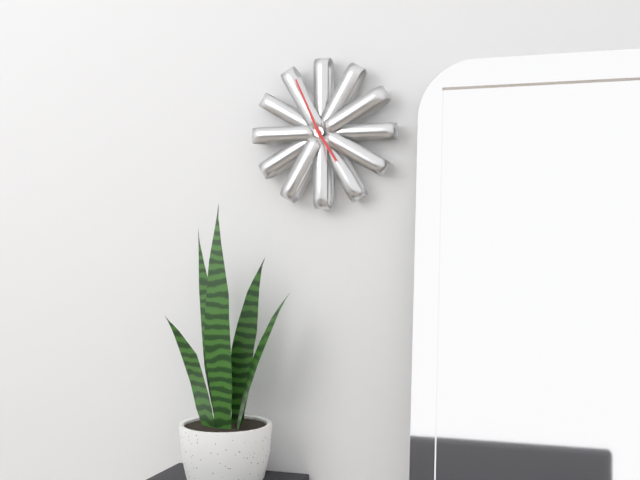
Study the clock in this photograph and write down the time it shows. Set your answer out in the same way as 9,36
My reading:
4,56
